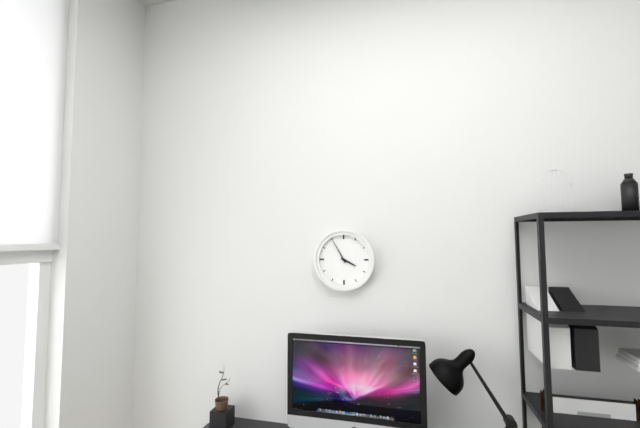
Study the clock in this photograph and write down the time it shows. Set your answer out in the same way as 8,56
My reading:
3,55
